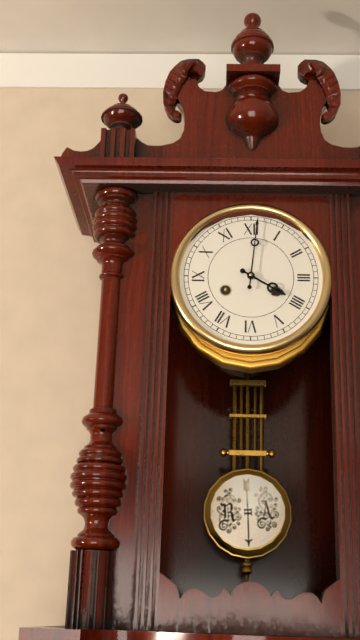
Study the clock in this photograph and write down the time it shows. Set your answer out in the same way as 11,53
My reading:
4,01
